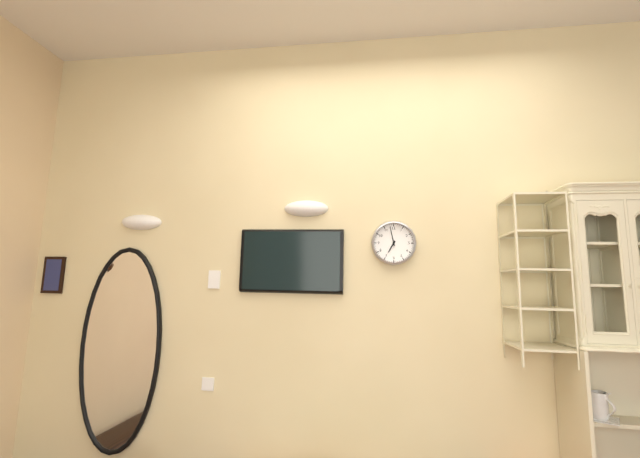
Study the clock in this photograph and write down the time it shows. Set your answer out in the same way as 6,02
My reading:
6,58
